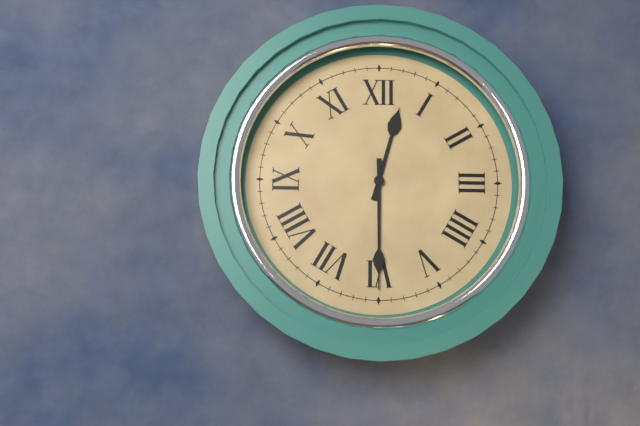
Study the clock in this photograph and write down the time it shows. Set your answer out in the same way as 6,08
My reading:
12,30
